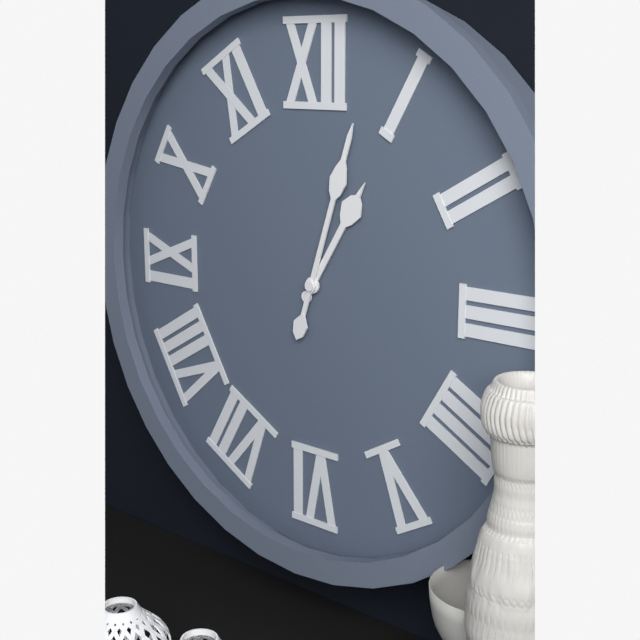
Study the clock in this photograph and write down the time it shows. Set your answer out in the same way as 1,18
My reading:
1,03
